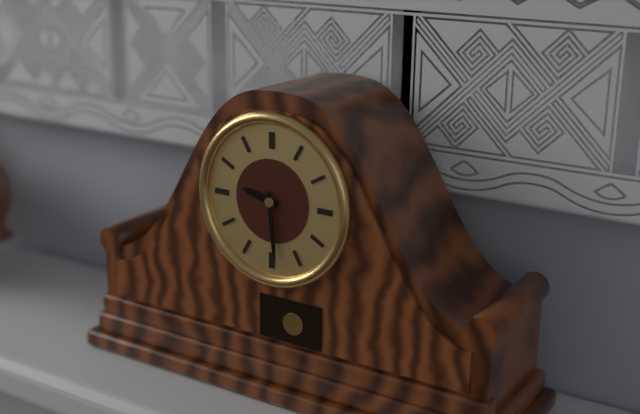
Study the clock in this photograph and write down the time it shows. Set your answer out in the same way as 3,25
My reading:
9,29
